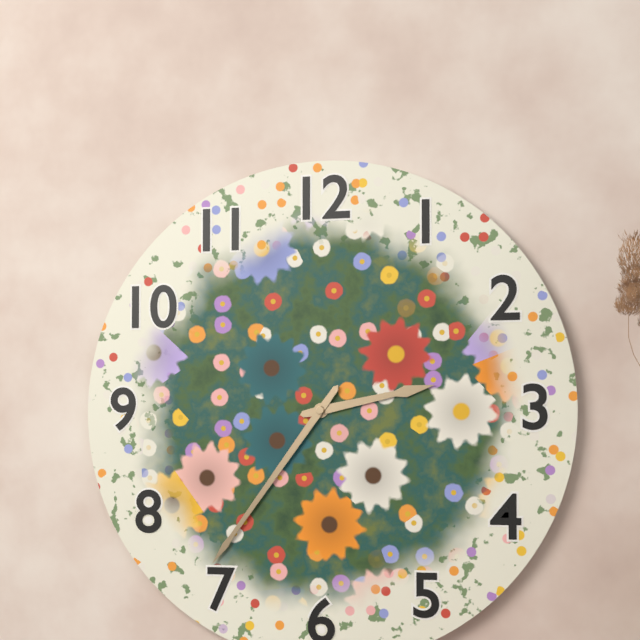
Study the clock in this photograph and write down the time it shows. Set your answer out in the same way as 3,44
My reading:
2,36
